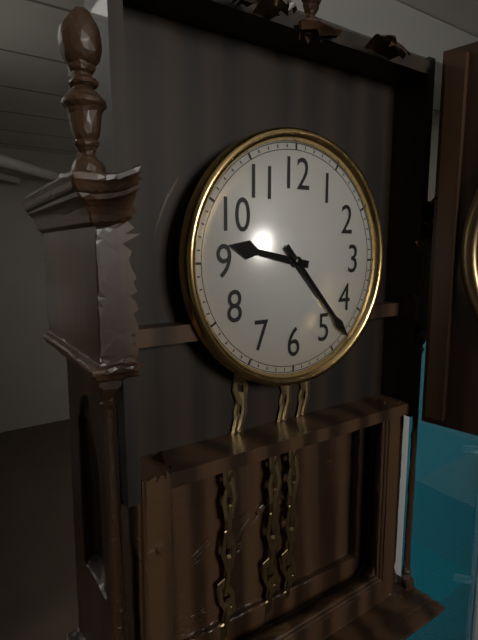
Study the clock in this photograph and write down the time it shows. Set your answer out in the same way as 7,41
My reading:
9,23
